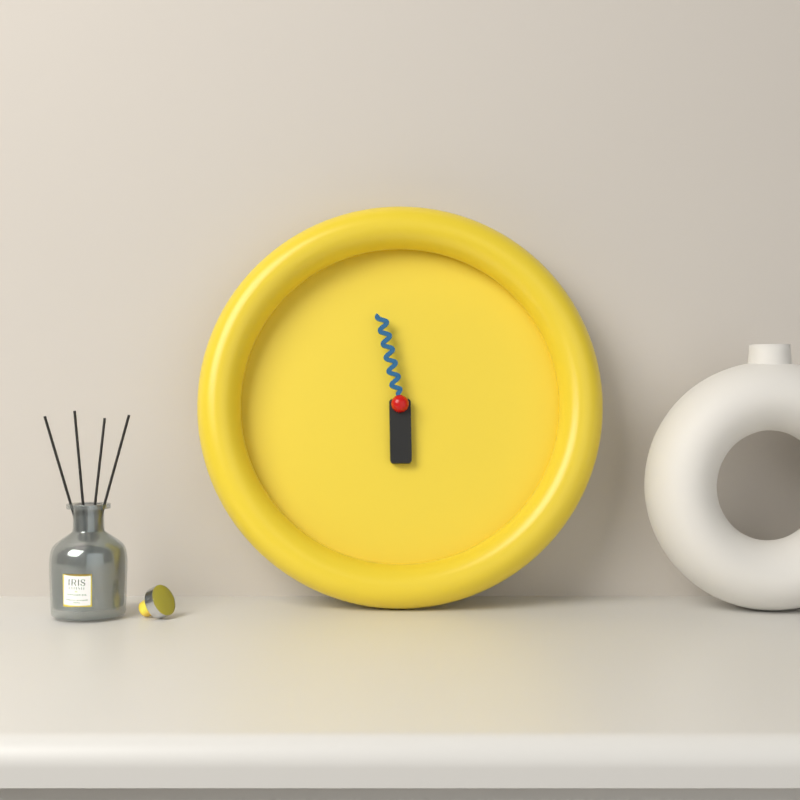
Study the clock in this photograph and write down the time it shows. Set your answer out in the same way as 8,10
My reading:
5,58
